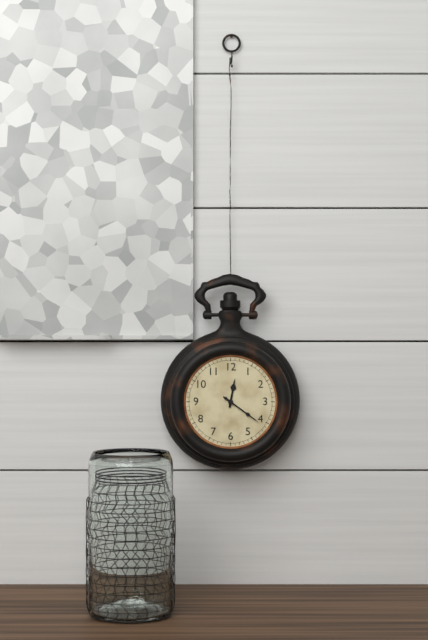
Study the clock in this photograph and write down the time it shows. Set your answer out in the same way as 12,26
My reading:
12,21
